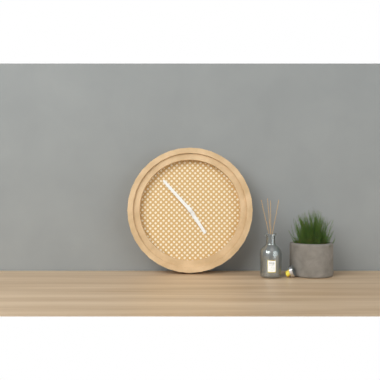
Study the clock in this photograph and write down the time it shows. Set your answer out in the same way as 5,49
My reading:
4,53
